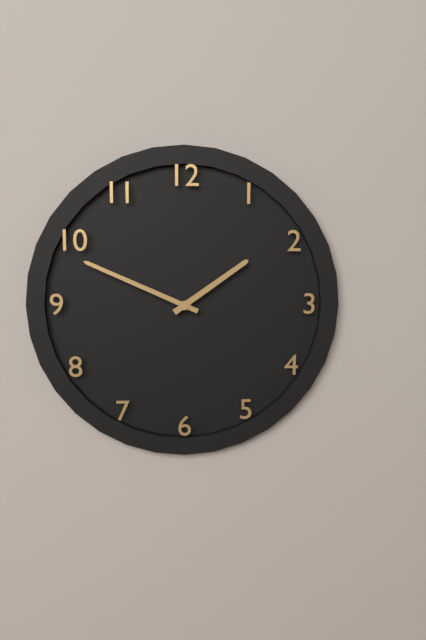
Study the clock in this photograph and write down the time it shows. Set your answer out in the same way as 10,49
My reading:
1,49
